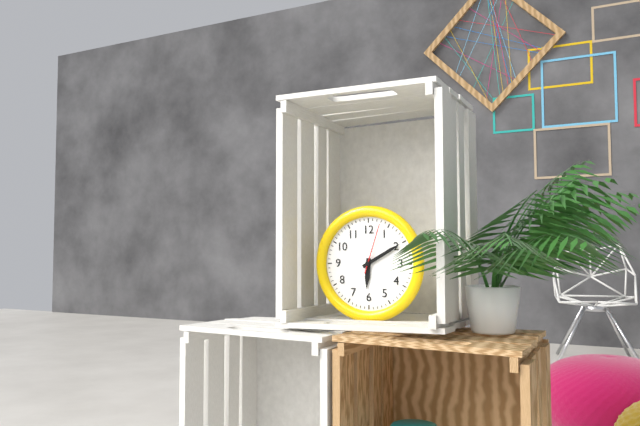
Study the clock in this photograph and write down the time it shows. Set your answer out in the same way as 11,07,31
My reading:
6,10,03
